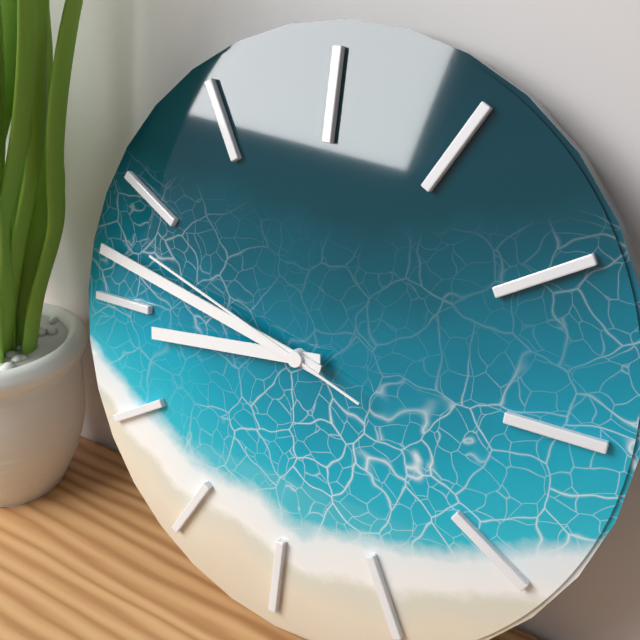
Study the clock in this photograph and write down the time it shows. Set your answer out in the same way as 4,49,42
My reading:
8,47,48
